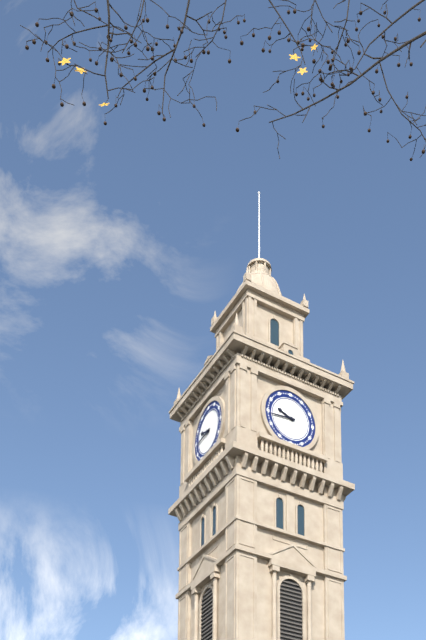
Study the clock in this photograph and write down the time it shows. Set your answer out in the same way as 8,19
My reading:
9,44
